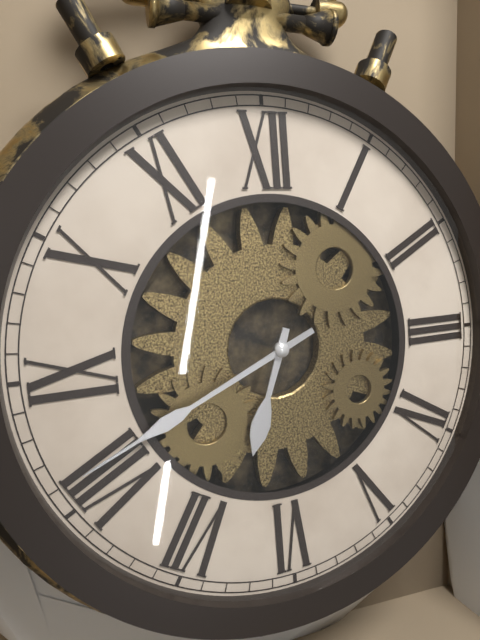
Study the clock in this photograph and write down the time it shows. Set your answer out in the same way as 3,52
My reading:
6,41
